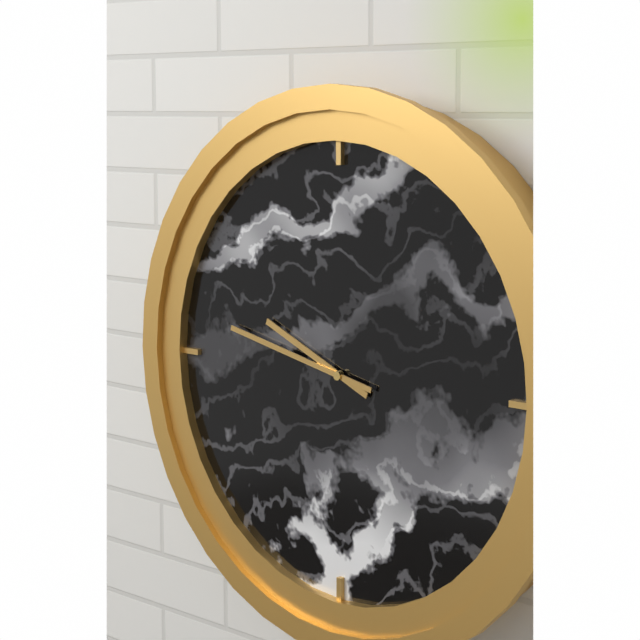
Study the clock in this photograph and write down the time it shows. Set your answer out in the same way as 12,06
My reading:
9,47
